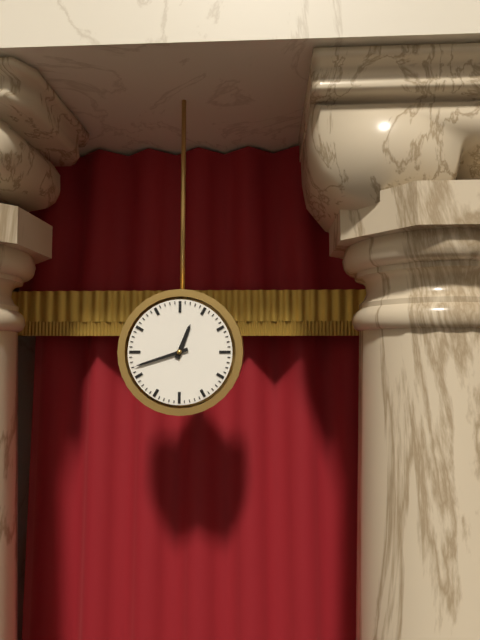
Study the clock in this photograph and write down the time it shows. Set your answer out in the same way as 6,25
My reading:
12,42
